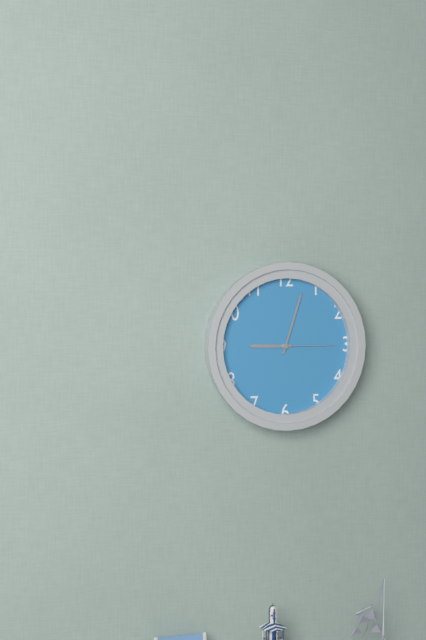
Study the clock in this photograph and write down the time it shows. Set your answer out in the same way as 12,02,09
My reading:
9,03,15
